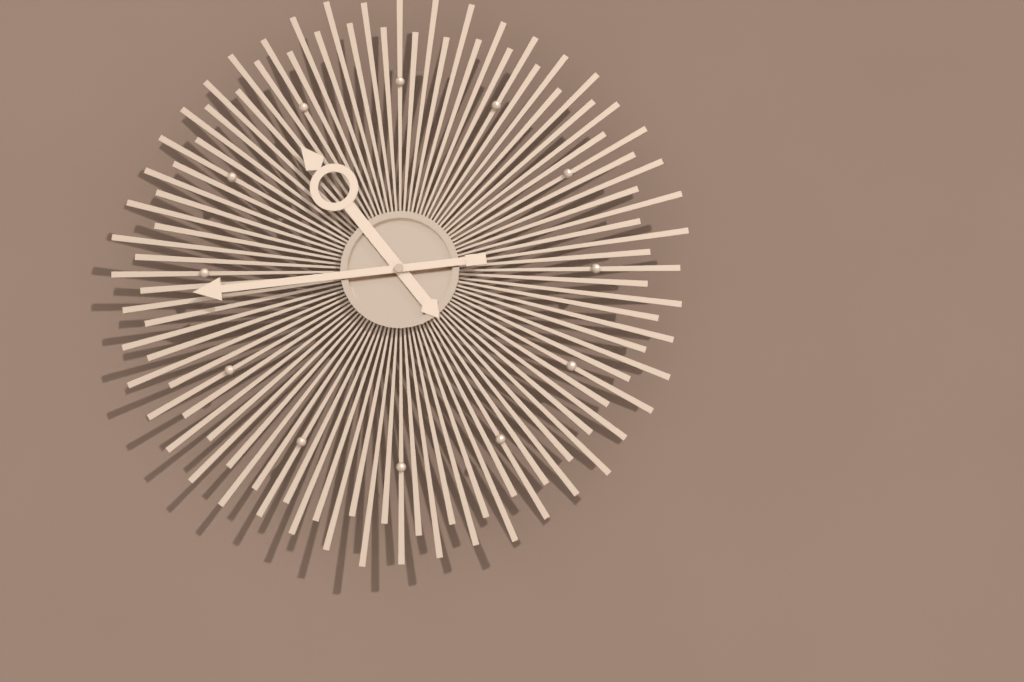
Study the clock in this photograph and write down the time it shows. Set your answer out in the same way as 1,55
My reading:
10,44
